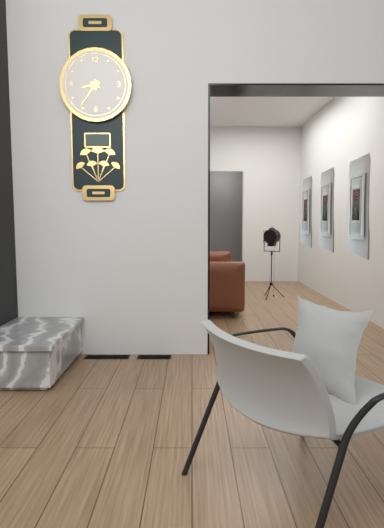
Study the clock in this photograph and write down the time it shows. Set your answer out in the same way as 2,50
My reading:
8,36
